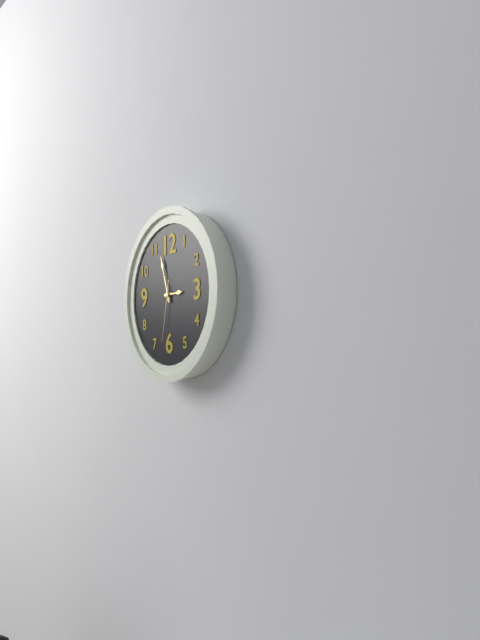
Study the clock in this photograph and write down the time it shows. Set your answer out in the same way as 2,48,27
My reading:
2,57,32
